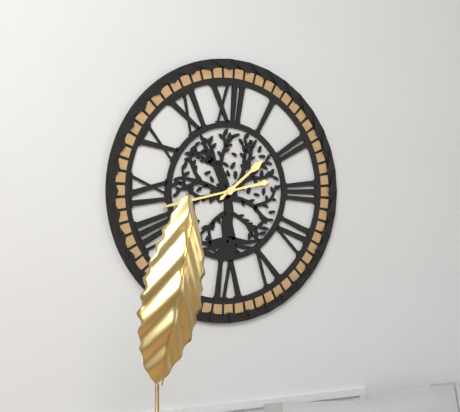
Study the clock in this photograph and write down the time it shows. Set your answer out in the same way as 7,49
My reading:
1,43
